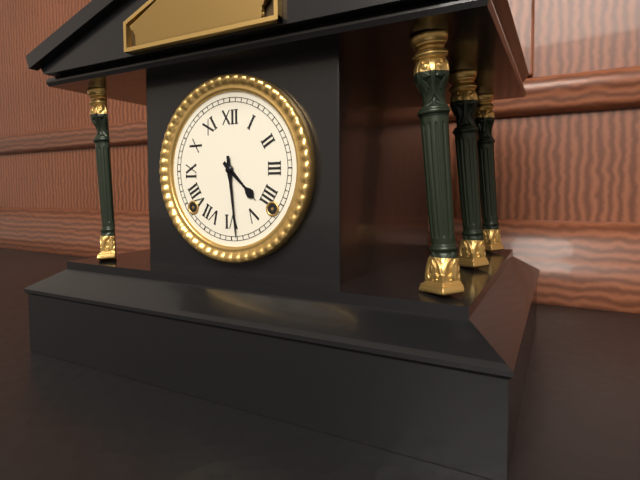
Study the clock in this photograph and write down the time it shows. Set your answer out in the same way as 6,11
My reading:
4,29
